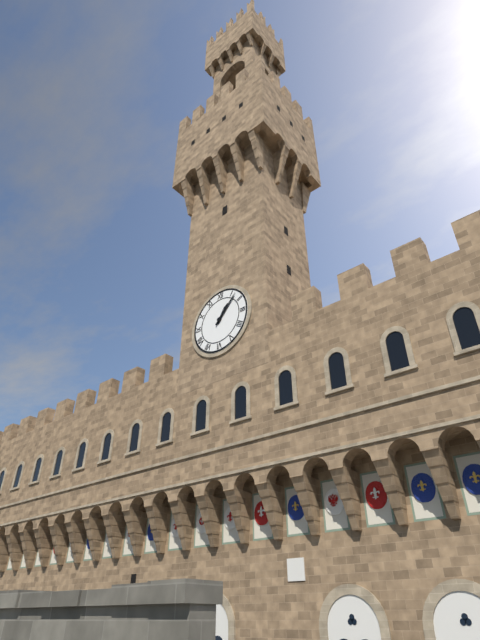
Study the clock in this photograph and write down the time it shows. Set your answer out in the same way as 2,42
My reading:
1,07
